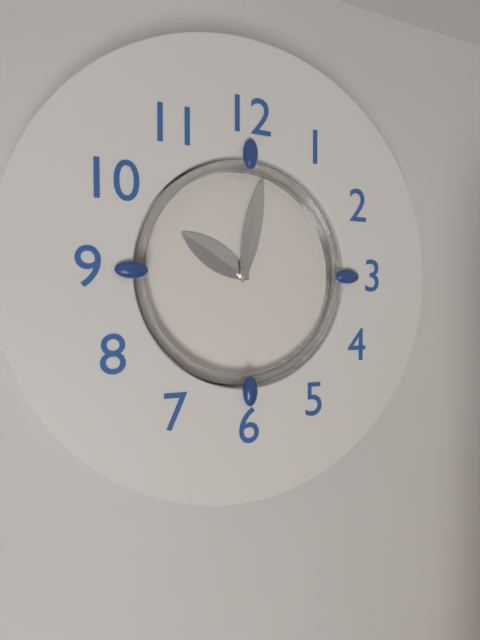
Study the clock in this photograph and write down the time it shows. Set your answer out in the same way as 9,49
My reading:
10,02
